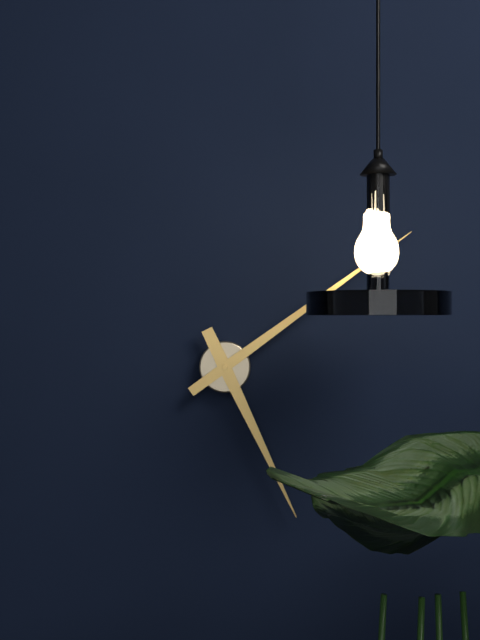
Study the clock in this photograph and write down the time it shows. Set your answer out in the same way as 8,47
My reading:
5,09
